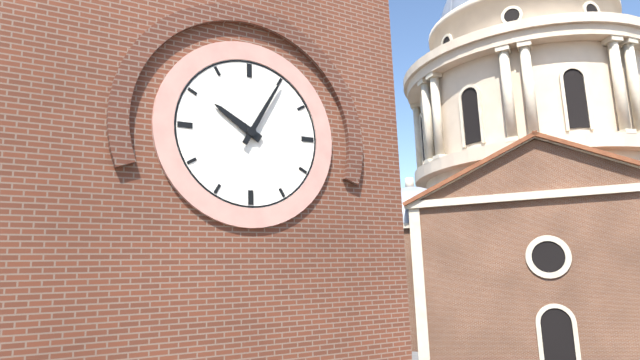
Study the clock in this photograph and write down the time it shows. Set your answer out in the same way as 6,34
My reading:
10,05
